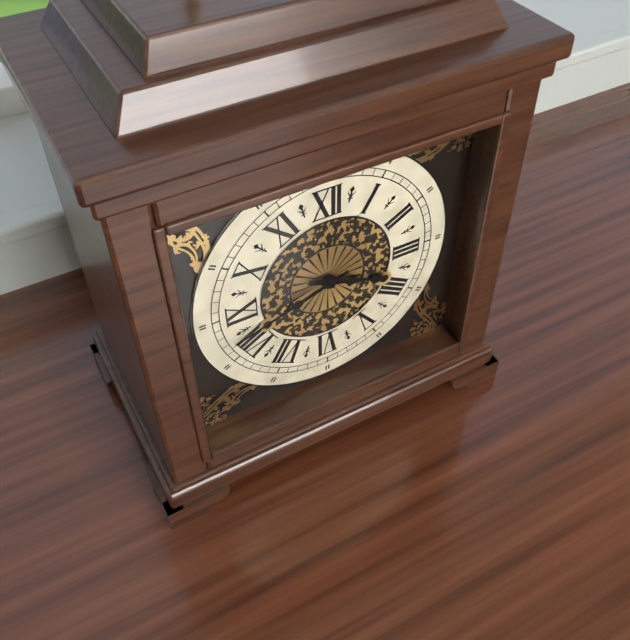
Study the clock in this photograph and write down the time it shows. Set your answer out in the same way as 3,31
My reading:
3,42
